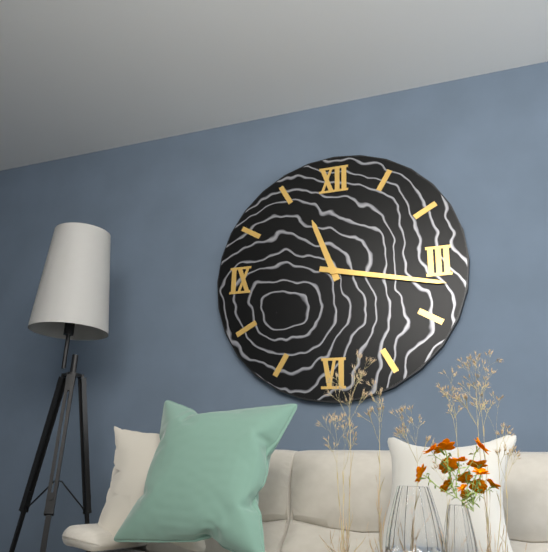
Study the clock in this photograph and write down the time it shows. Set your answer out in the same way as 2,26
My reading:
11,17
